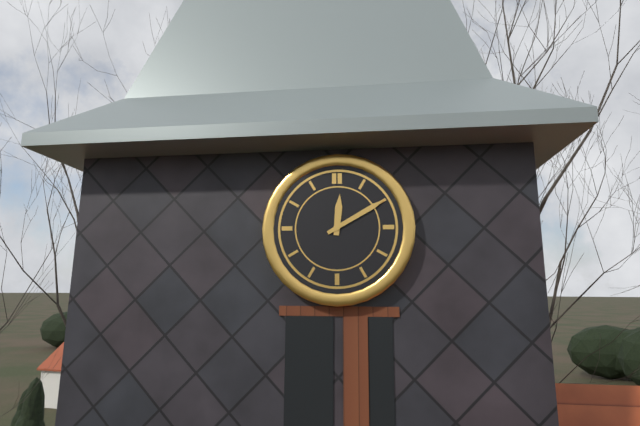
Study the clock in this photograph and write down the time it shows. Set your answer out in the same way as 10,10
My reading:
12,10
